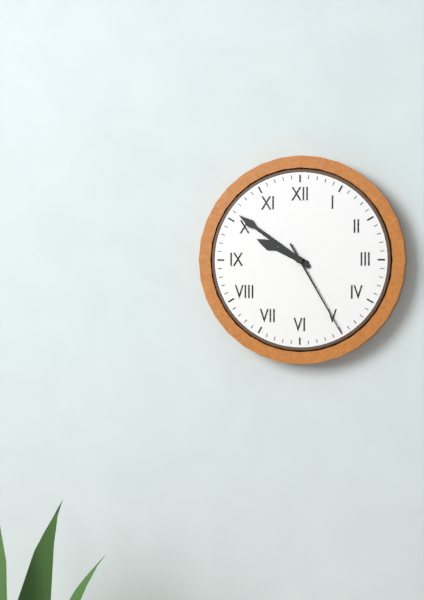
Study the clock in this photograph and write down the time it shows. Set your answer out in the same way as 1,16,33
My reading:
9,51,25
